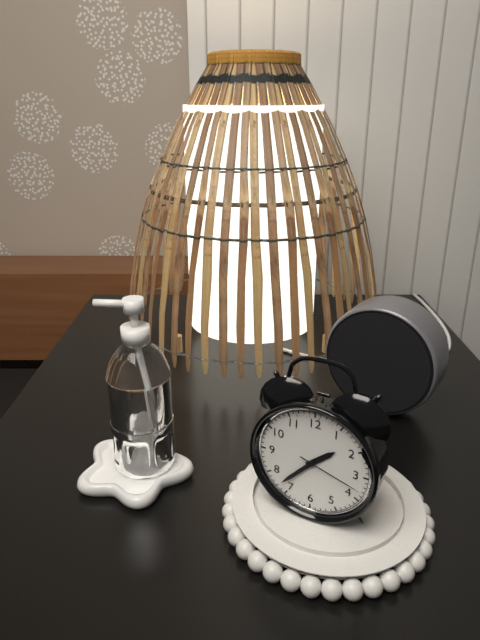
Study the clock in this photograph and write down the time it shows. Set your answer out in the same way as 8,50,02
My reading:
1,37,18
